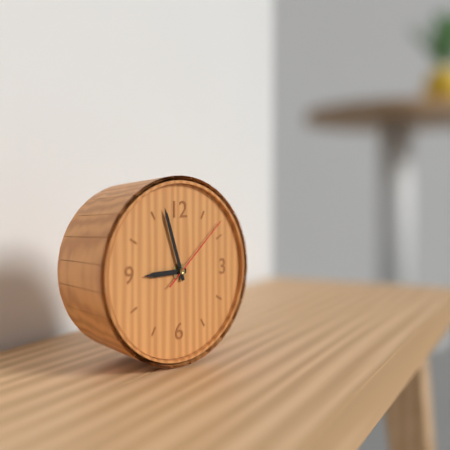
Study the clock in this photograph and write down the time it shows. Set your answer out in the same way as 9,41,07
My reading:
8,57,08
